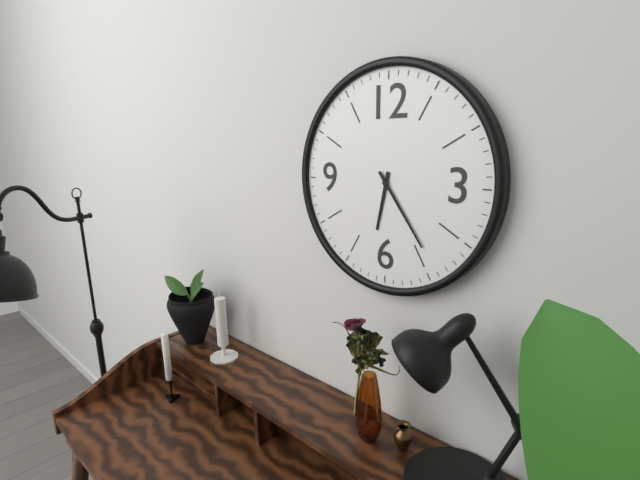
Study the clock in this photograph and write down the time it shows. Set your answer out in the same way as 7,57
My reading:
6,24
